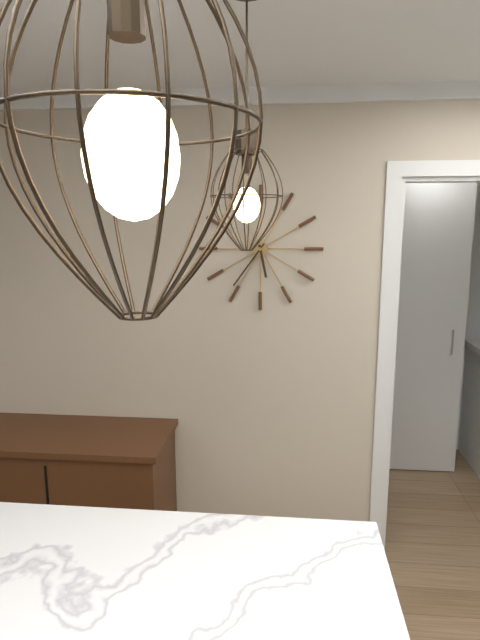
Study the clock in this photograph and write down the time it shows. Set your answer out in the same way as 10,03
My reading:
5,36
